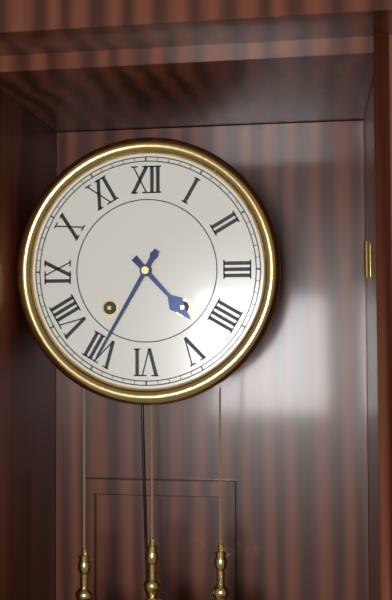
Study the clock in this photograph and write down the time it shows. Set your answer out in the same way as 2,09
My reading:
4,35
